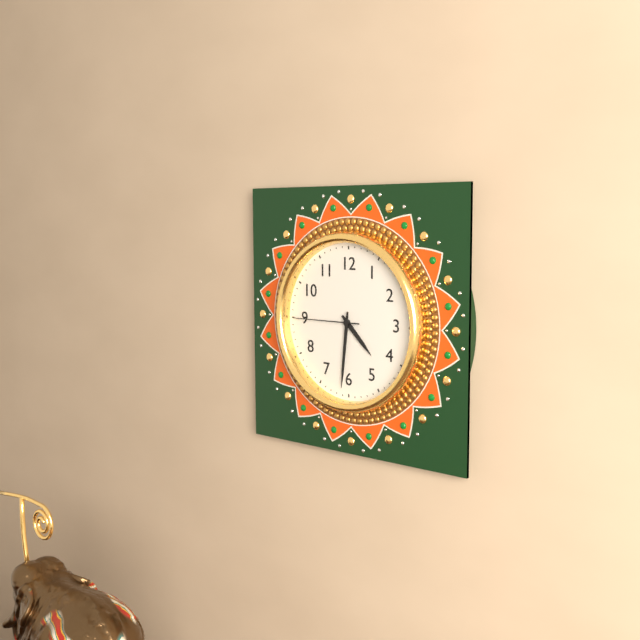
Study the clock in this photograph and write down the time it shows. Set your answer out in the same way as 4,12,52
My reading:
4,31,45
